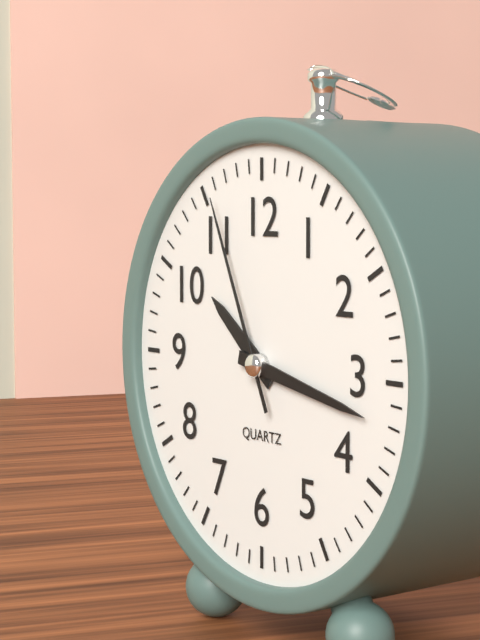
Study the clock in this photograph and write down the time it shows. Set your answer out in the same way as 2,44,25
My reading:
10,17,56
